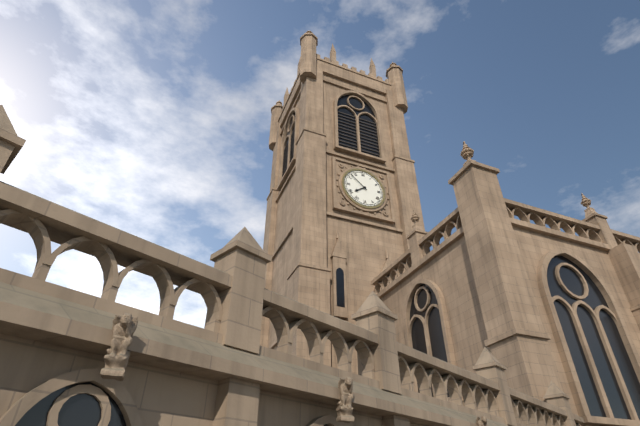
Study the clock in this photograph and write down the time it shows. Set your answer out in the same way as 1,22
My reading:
7,52
